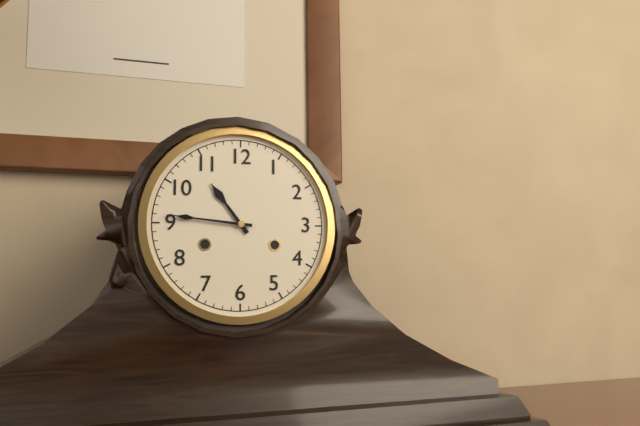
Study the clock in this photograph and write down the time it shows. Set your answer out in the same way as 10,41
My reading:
10,46
